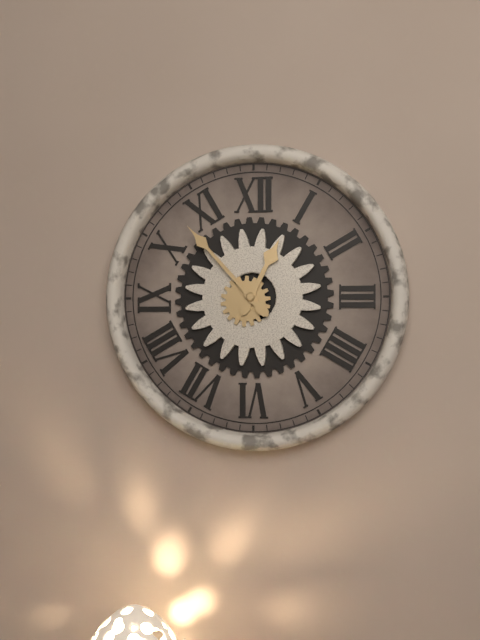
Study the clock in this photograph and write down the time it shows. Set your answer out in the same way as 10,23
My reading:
12,53
